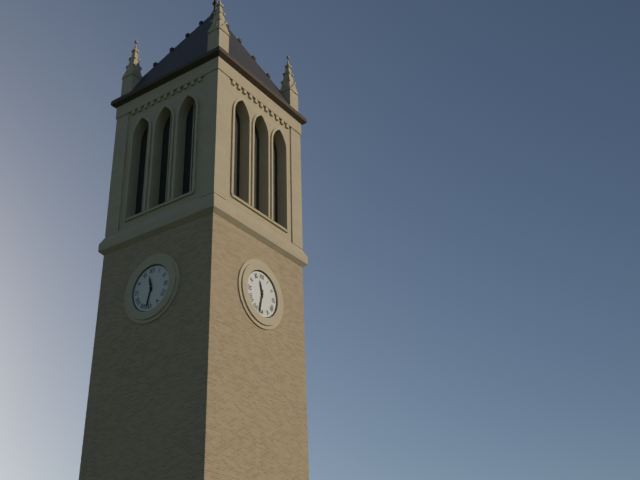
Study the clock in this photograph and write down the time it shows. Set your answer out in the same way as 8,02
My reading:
11,32
